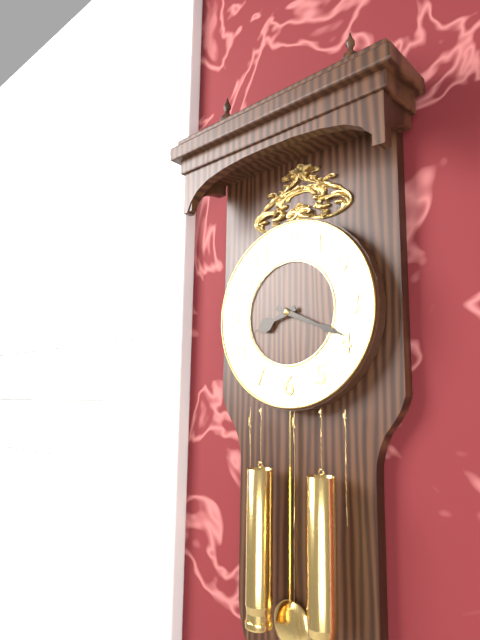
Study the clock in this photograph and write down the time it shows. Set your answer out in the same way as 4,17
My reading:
8,19
